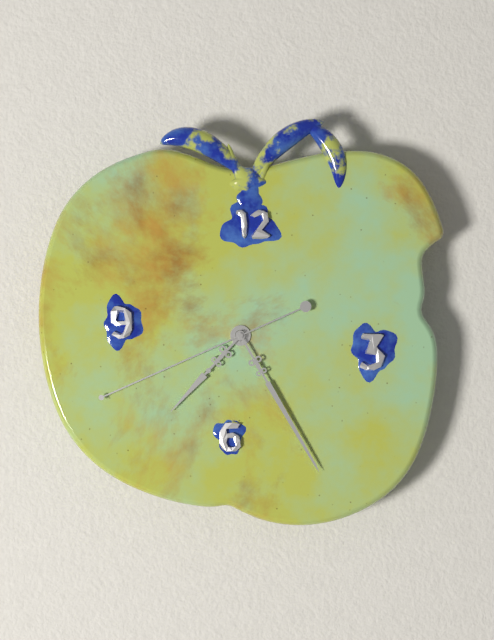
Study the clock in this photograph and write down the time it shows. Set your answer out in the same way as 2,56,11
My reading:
7,25,41
